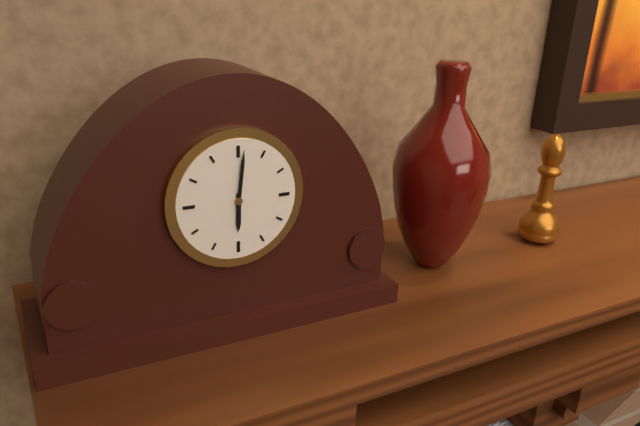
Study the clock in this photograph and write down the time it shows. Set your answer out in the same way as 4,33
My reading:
6,01
